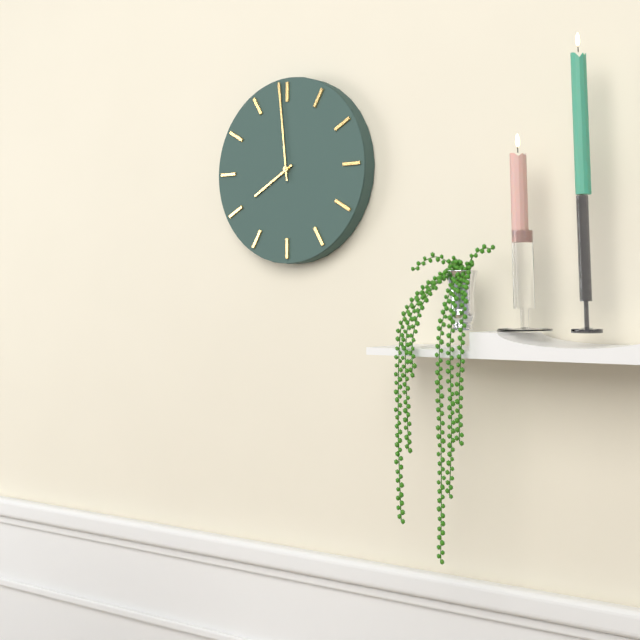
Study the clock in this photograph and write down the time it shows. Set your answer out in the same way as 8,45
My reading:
7,59
